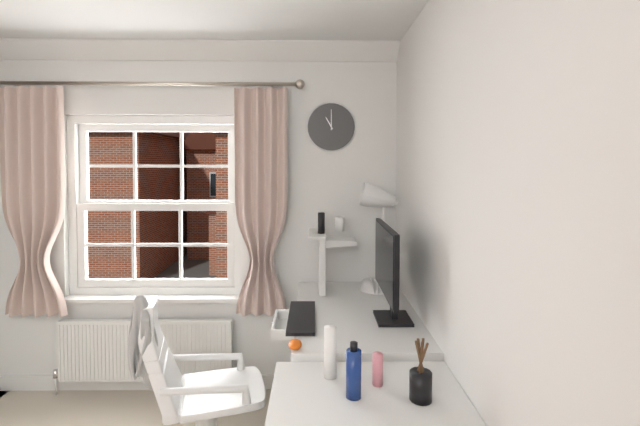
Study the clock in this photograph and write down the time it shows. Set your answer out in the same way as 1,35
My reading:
11,00
